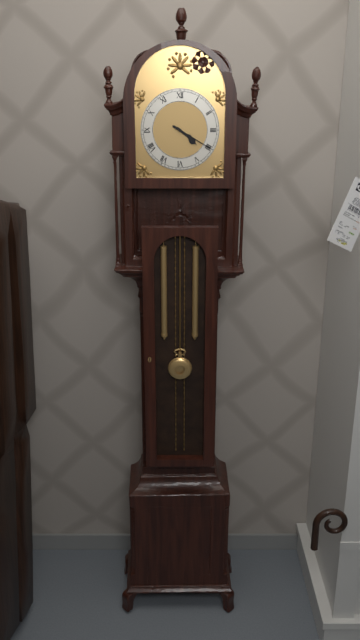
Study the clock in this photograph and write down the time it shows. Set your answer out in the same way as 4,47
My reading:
4,20
